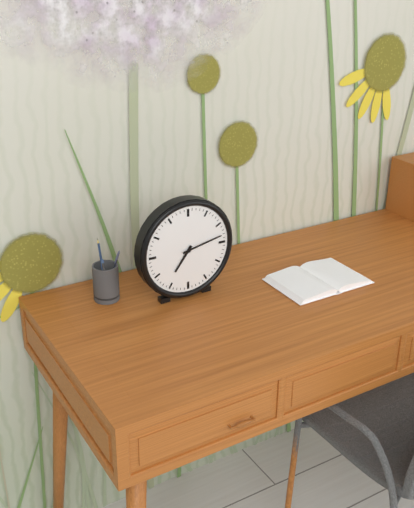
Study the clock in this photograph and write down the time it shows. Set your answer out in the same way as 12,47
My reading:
7,13
